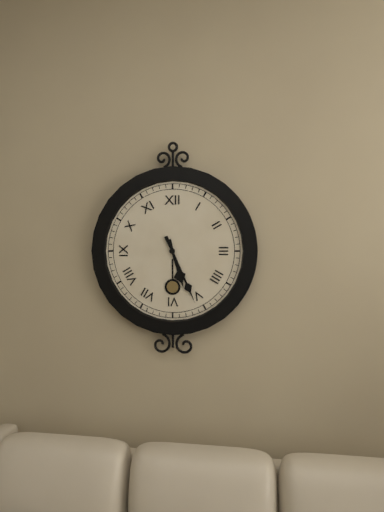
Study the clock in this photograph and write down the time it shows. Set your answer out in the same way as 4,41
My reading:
5,26
